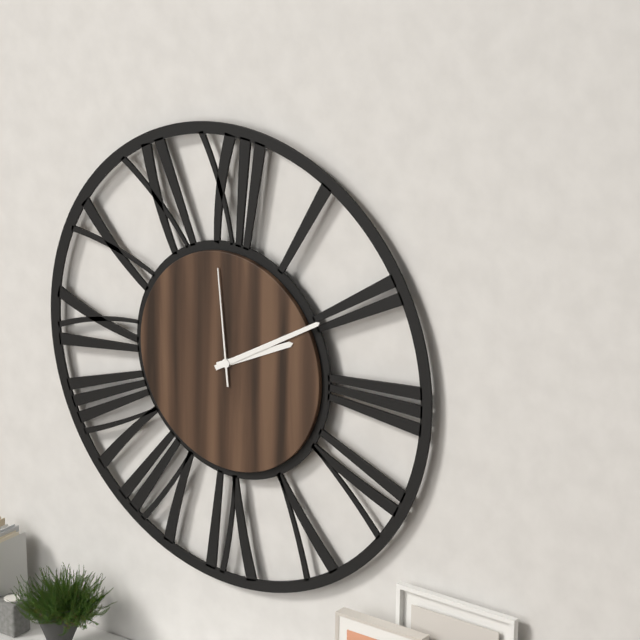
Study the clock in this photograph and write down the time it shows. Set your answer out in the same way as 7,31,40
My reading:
2,10,59
